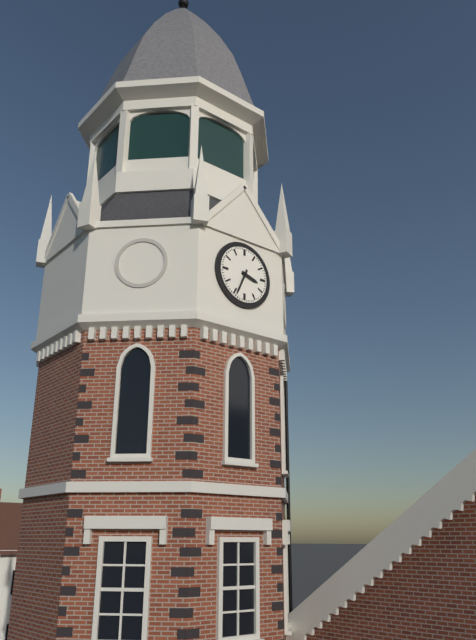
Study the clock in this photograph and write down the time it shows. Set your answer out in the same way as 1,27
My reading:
3,34
